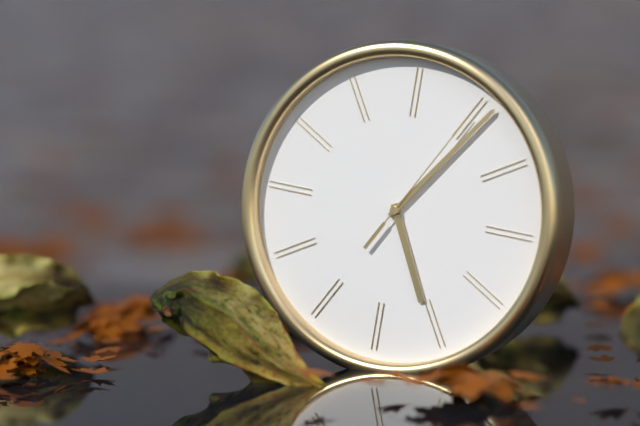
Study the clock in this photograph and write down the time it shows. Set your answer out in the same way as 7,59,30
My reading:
5,06,05
